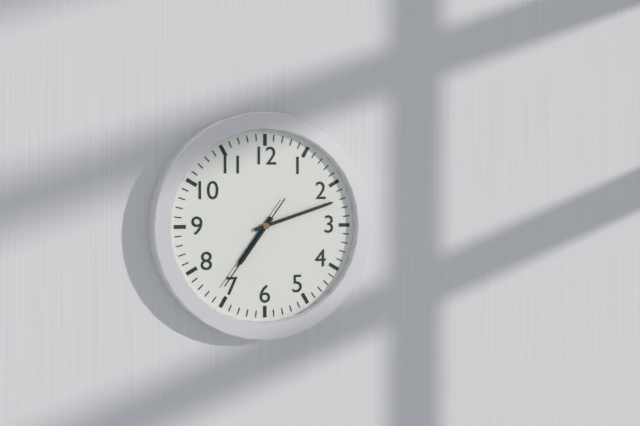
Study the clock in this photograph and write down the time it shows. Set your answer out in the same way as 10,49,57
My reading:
7,12,36
